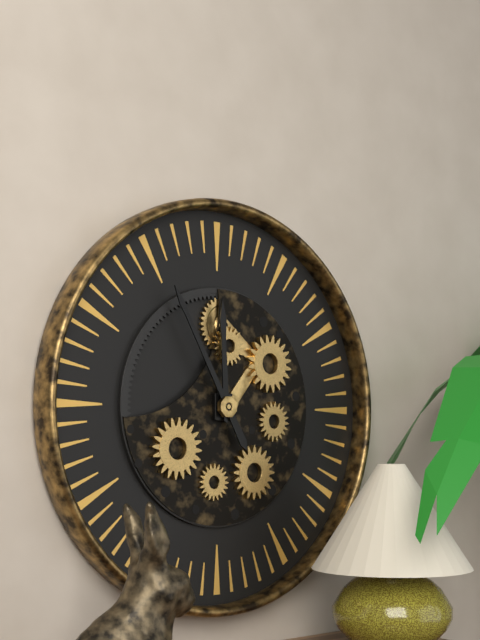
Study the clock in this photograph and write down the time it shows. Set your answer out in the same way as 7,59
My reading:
11,55
